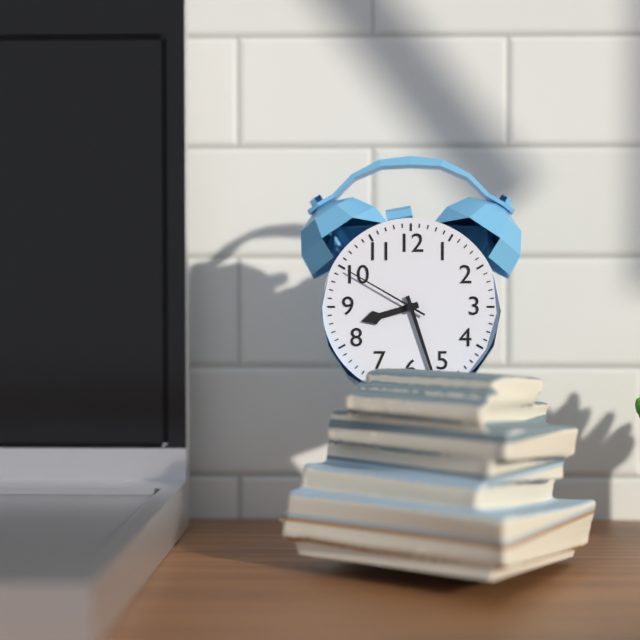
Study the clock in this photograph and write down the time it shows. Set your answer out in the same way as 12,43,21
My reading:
8,27,50
